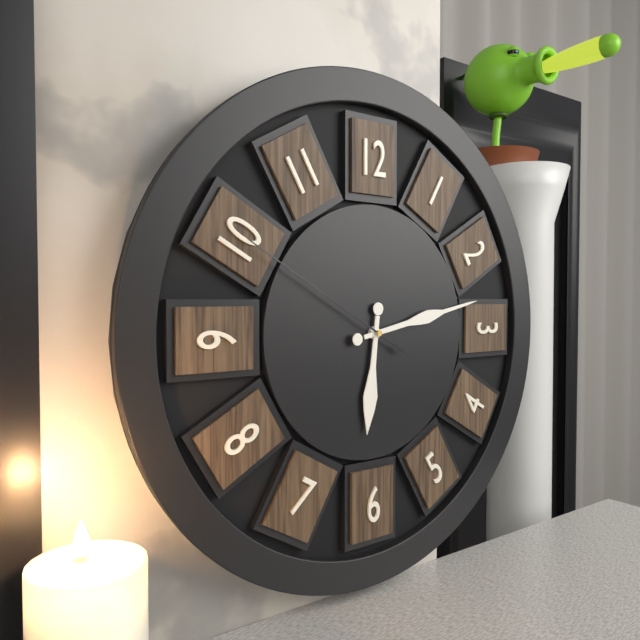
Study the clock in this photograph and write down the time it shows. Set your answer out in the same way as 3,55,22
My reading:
6,13,50
